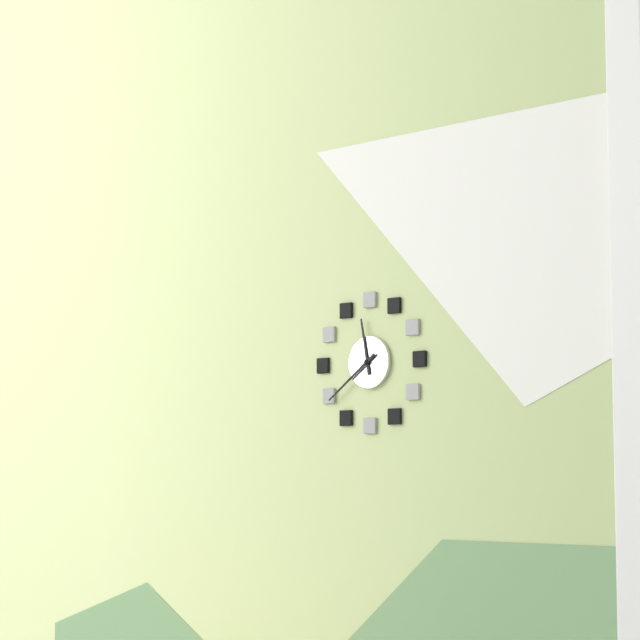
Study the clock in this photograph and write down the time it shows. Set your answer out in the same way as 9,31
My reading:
11,39
